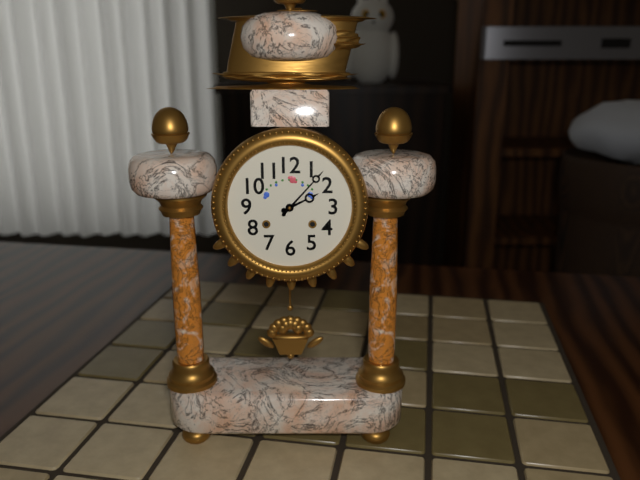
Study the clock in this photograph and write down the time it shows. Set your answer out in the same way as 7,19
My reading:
2,07
